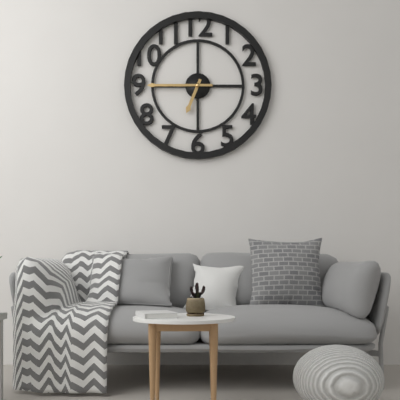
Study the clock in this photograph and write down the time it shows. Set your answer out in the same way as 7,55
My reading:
6,45
